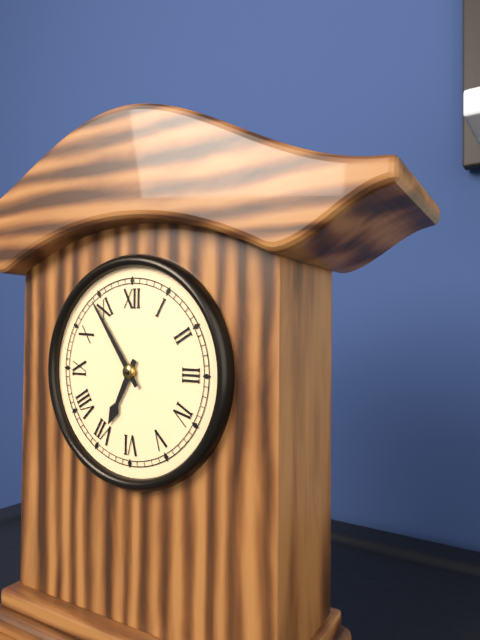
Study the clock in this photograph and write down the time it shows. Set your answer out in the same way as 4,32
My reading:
6,54
